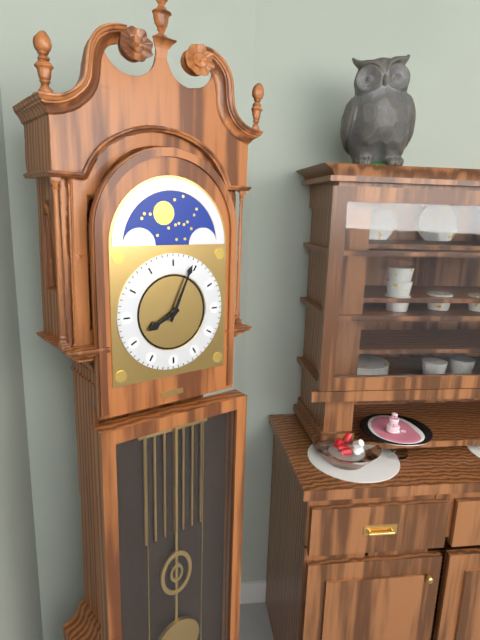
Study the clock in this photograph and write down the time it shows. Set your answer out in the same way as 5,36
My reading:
8,04
